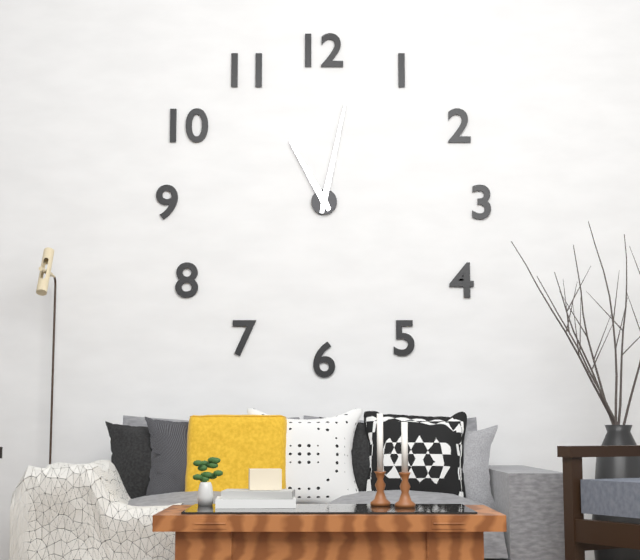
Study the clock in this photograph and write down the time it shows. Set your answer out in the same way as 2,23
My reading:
11,02
